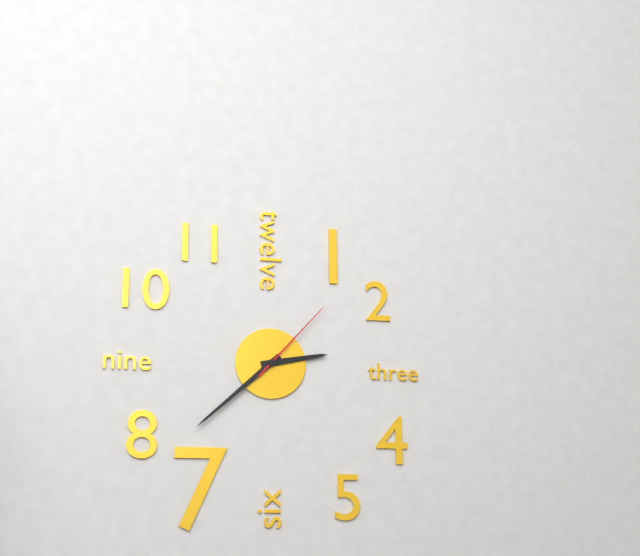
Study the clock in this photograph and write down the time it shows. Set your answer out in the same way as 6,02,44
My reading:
2,38,07
